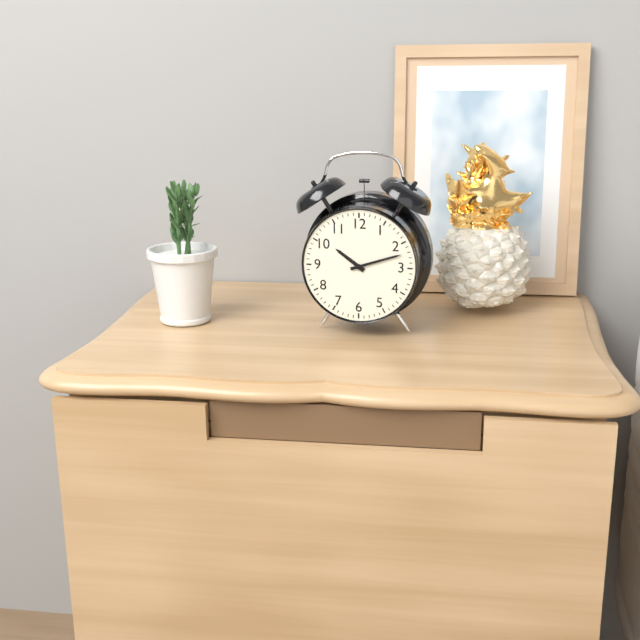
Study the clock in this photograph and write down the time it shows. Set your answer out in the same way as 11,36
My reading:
10,12
